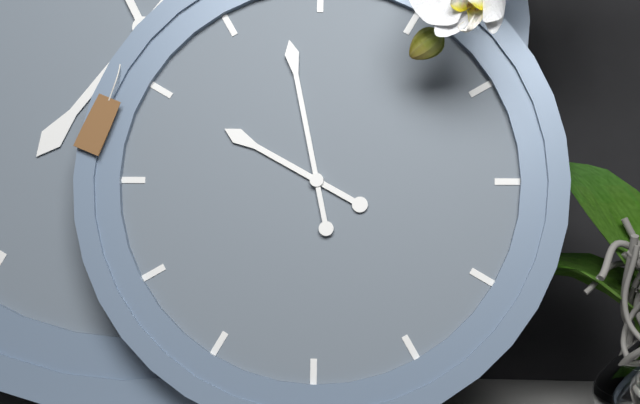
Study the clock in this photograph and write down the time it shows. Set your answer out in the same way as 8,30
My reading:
9,58
